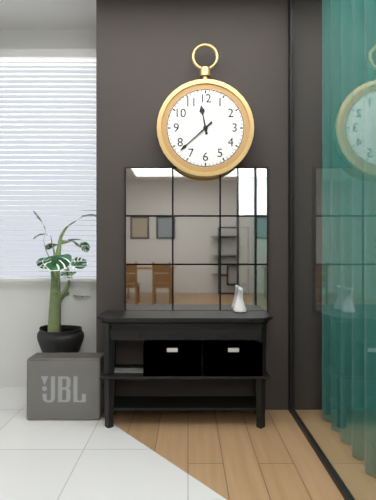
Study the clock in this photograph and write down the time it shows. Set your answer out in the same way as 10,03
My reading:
11,38
